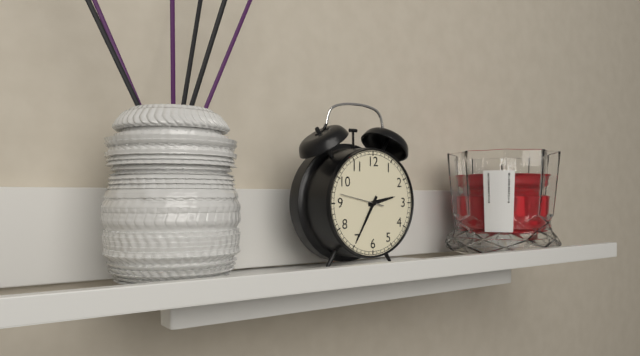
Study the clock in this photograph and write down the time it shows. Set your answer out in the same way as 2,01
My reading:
2,35
